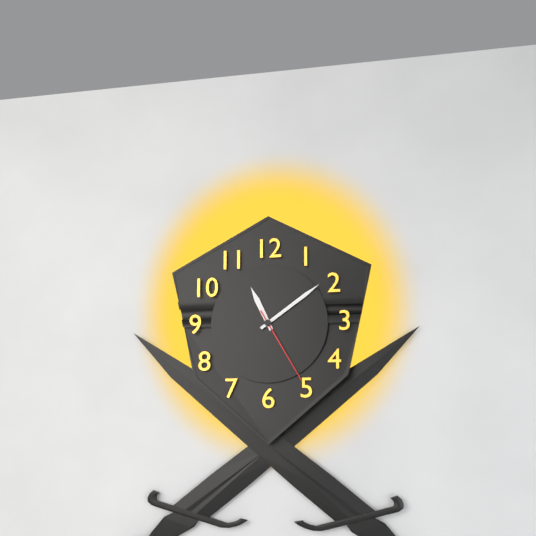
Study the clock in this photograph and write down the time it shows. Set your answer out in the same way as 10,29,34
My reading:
11,09,25
